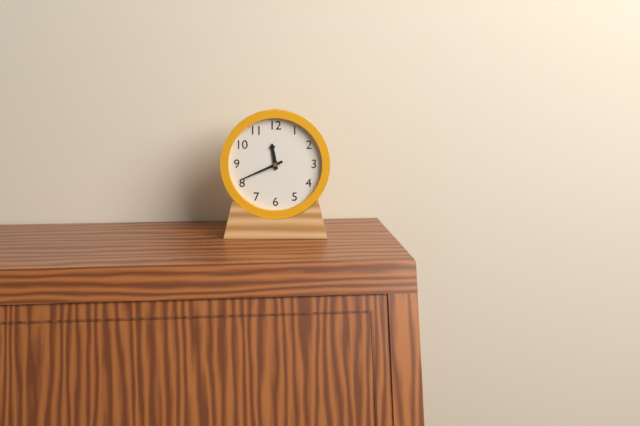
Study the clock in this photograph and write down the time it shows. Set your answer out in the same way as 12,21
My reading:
11,41
